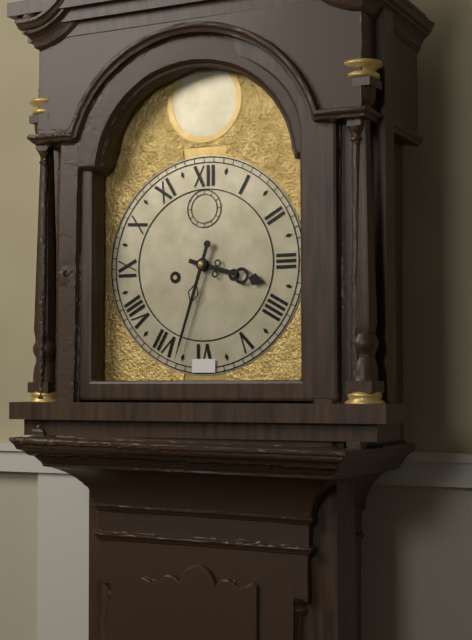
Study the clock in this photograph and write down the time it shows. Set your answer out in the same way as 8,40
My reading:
3,33
